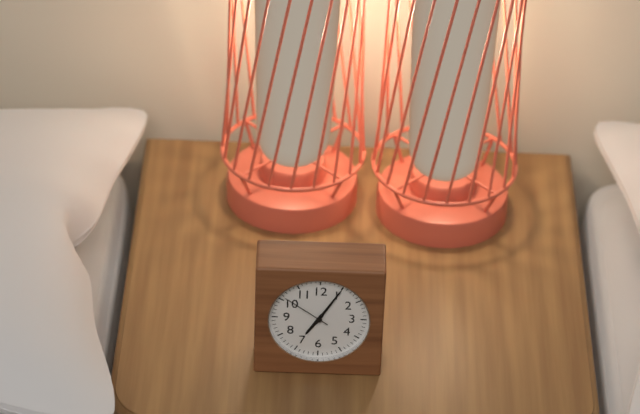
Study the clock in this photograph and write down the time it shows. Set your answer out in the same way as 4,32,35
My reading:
7,05,51
